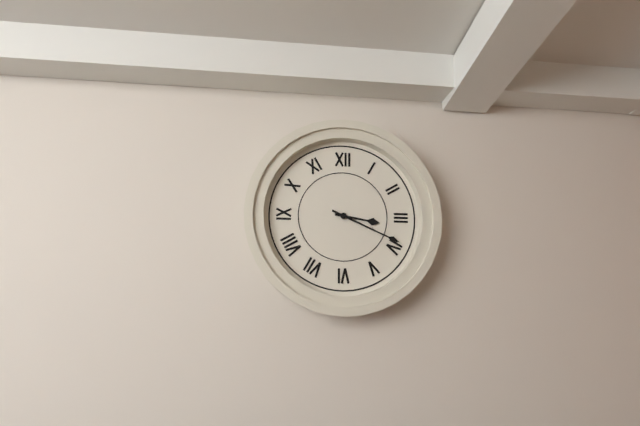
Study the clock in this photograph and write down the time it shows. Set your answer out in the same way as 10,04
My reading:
3,19
